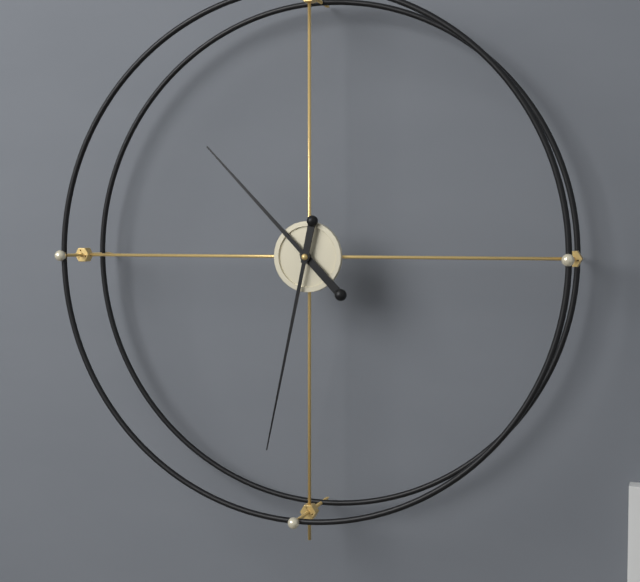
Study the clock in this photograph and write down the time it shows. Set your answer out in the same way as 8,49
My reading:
10,32
